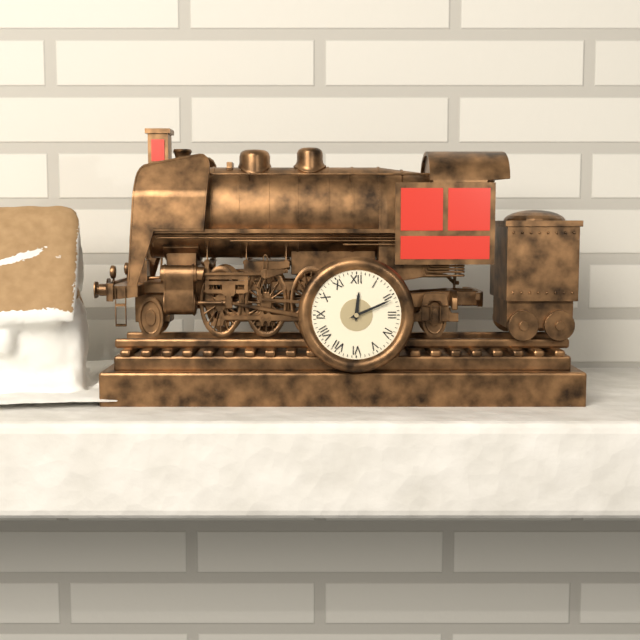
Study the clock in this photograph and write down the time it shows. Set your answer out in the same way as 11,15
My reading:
12,11
